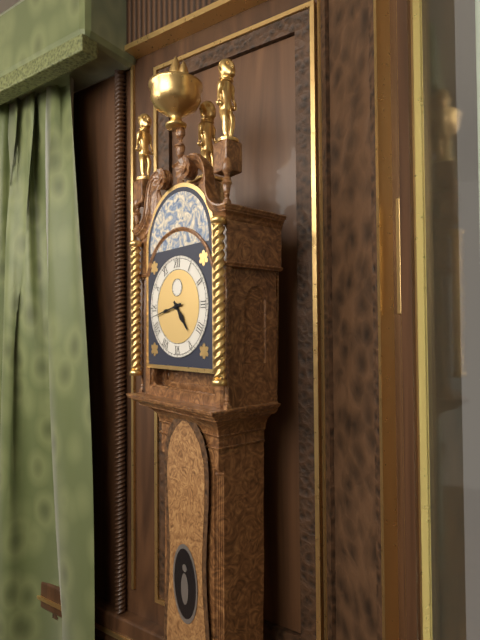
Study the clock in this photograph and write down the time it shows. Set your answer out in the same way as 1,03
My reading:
4,43
